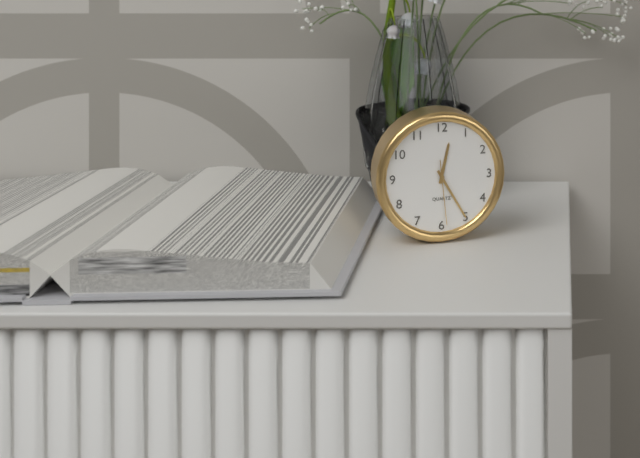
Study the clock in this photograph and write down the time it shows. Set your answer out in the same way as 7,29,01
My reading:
12,25,29
